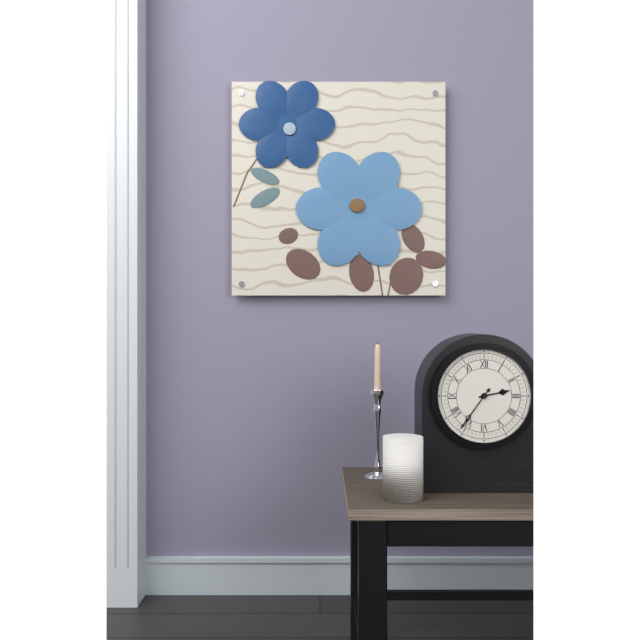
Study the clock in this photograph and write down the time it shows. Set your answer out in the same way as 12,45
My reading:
2,36
